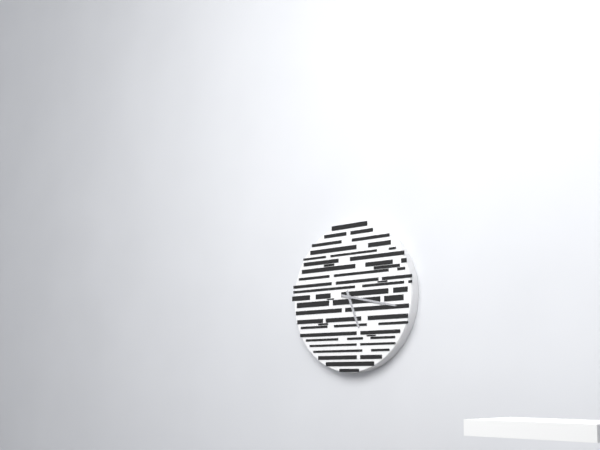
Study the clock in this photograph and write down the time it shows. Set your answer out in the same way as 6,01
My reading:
5,17
